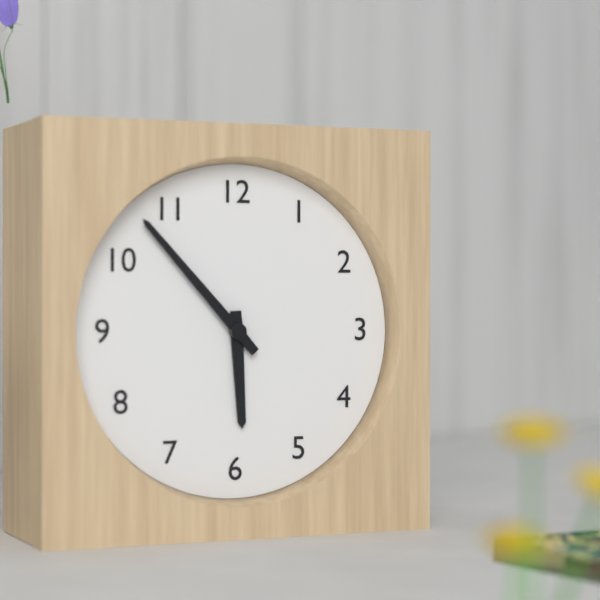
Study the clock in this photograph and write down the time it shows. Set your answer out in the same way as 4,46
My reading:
5,53
